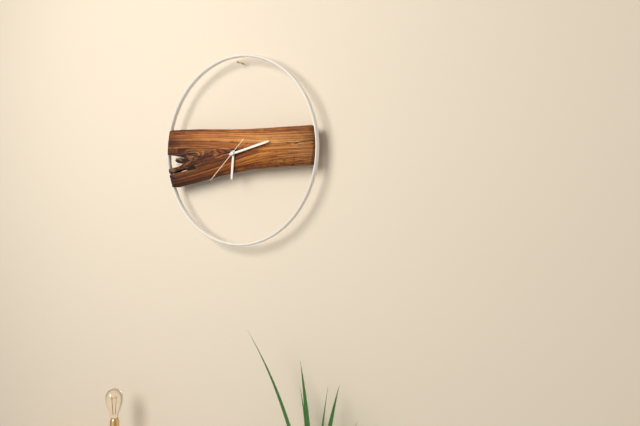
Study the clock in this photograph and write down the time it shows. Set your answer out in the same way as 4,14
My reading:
6,13
